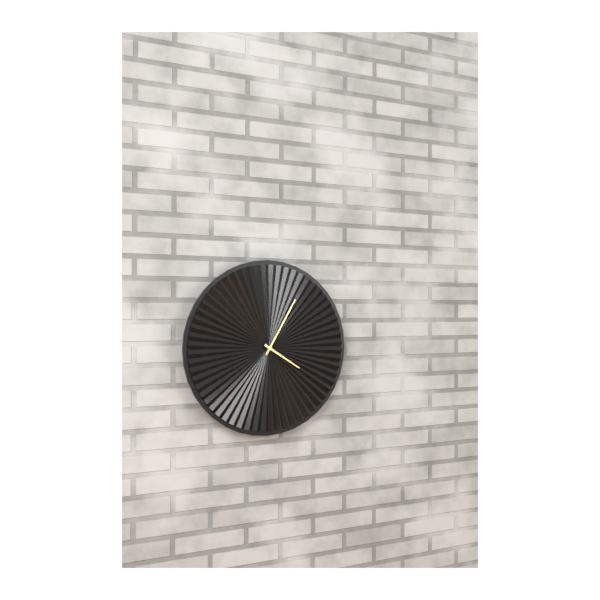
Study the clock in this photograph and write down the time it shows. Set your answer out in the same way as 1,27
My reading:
4,05
